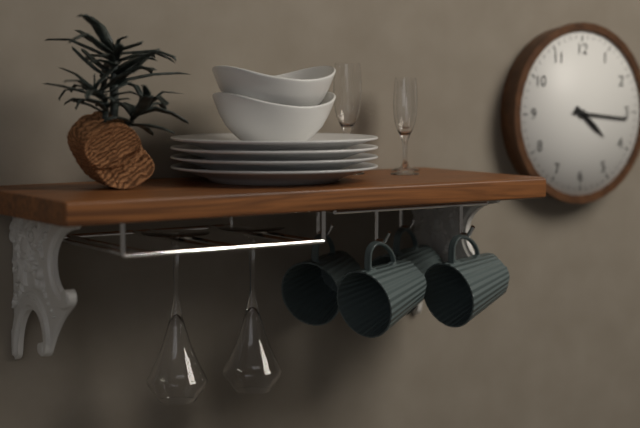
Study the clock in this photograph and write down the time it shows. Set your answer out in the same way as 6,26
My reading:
4,16
